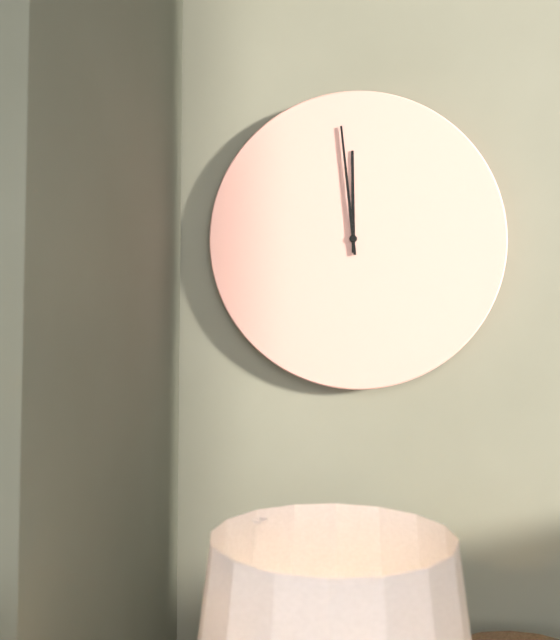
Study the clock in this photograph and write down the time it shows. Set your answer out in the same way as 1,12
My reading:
11,59
